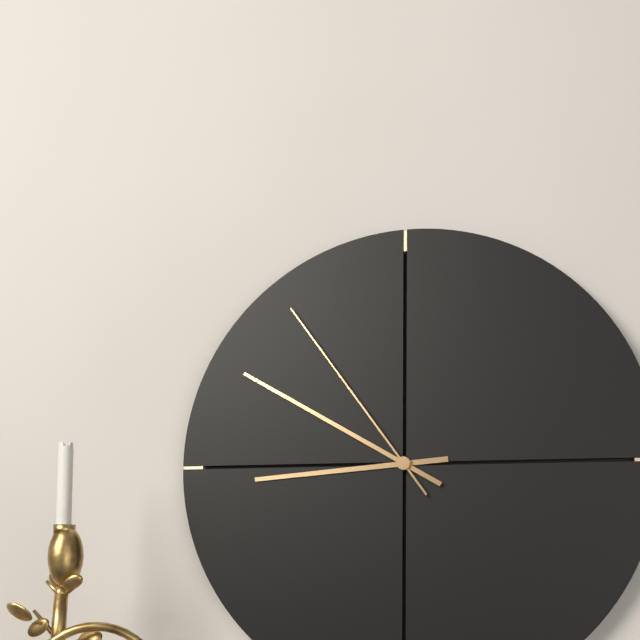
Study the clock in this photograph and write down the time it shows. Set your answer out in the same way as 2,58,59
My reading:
8,50,54
